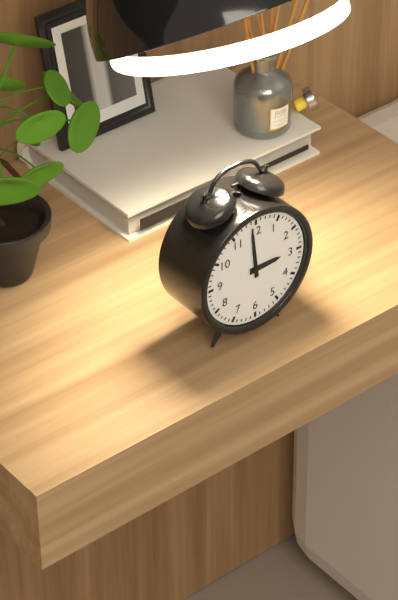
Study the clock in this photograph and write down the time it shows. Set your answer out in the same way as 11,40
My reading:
2,59
